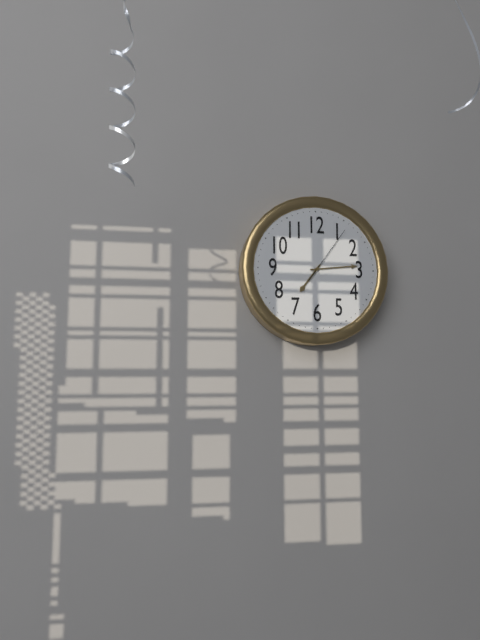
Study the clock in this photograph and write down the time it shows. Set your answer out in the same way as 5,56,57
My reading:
7,14,06
